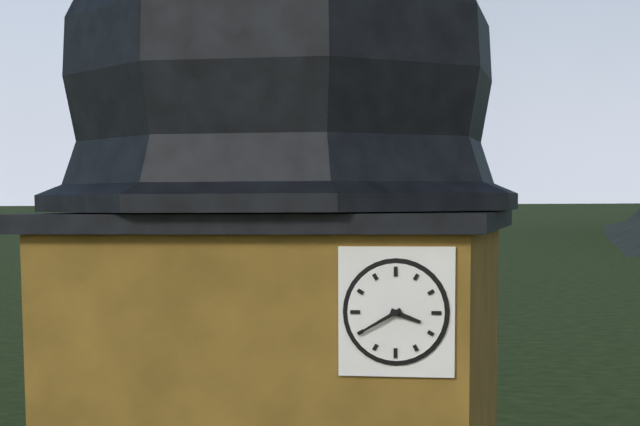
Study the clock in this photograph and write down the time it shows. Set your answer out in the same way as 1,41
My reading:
3,40
